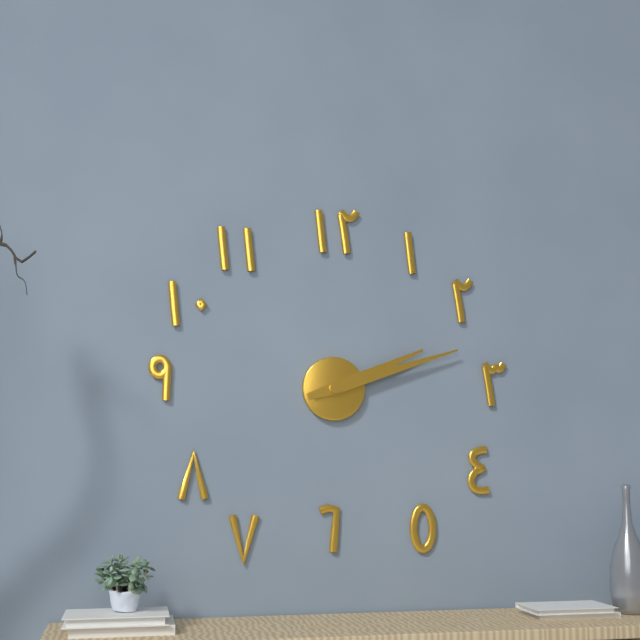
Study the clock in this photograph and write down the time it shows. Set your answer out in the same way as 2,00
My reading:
2,12
